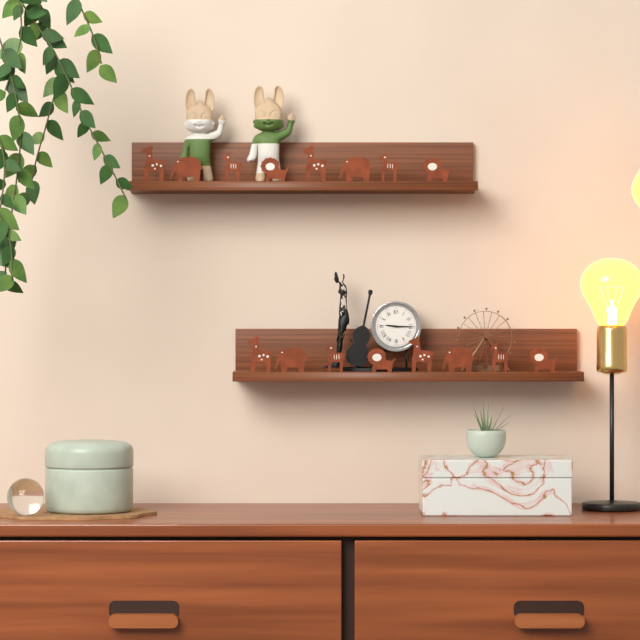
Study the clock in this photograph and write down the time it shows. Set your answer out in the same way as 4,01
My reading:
9,15
